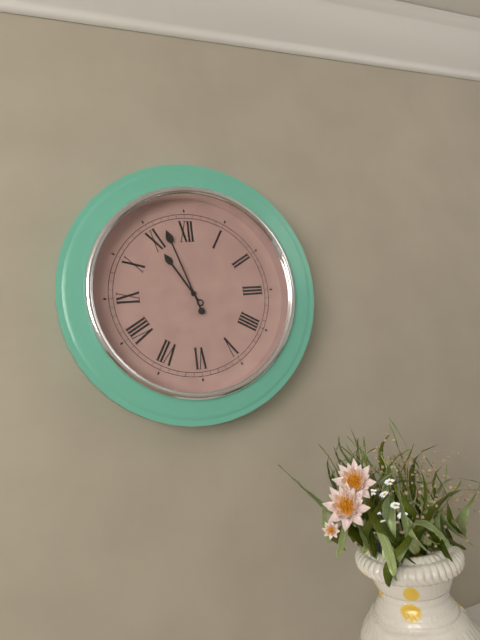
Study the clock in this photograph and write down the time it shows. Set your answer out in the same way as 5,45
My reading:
10,57
